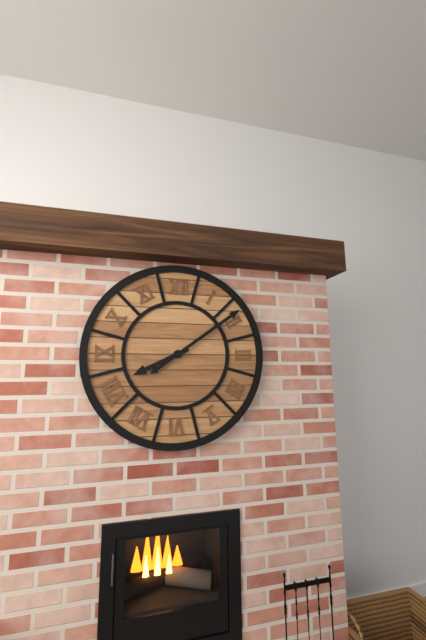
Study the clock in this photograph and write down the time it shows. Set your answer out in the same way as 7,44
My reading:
8,09
